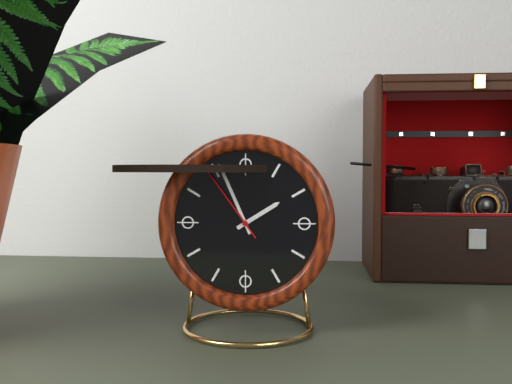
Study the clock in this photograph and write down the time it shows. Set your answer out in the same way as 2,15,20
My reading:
1,56,54
